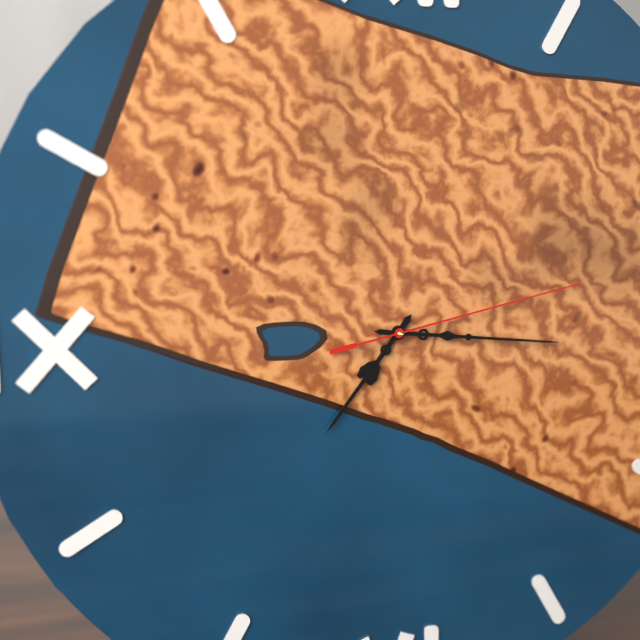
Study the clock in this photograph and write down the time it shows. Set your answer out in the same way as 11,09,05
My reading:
7,16,13
